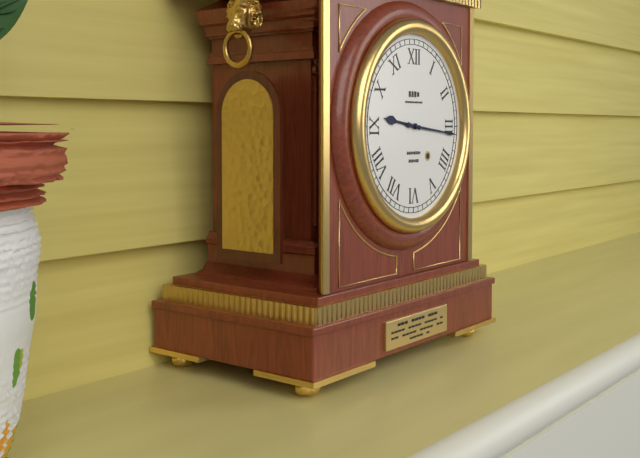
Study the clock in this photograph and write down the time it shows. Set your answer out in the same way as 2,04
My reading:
9,16
